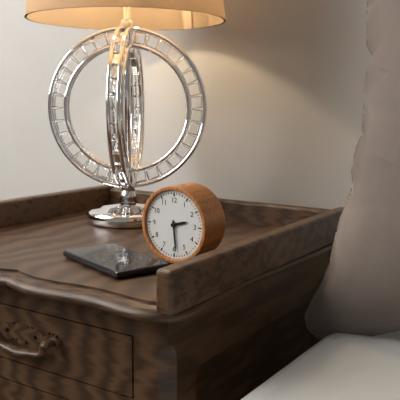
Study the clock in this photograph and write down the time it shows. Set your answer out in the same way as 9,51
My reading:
2,29
